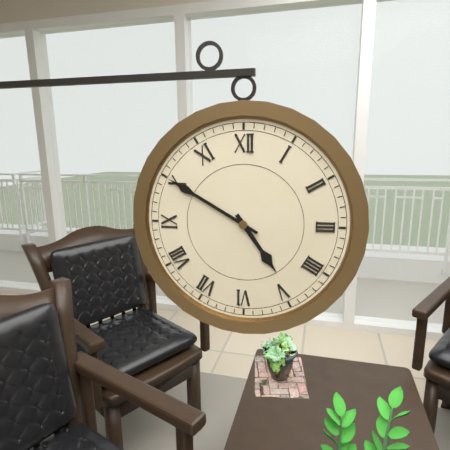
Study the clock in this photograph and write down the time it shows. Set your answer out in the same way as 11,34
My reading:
4,50
